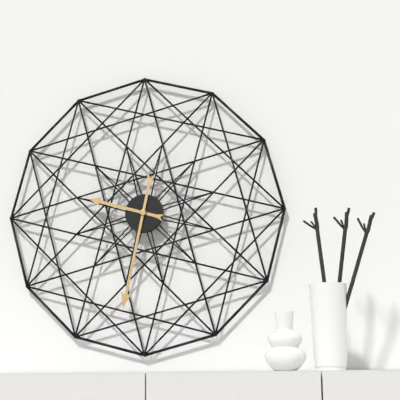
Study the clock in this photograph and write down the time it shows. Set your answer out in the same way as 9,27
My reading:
9,32
